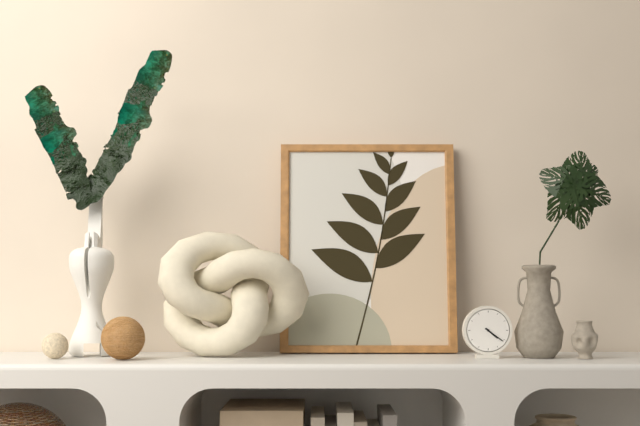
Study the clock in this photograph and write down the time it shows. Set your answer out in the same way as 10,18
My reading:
4,21
